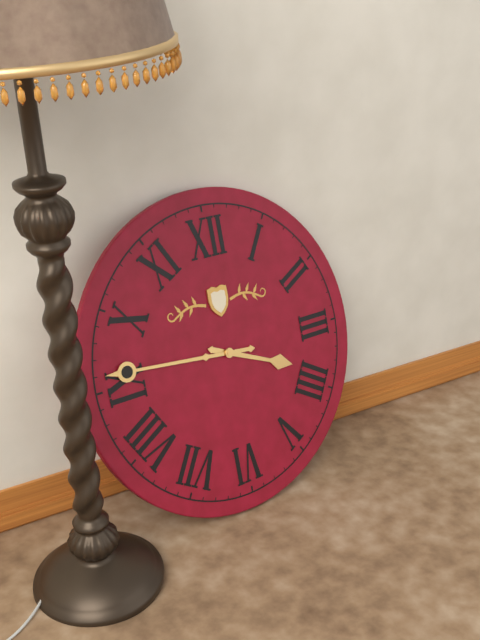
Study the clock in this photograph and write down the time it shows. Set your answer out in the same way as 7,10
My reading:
3,46
